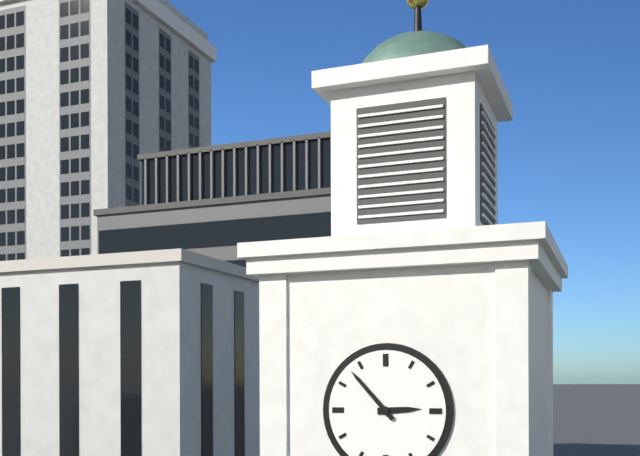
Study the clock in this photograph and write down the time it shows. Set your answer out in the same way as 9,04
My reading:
2,53
